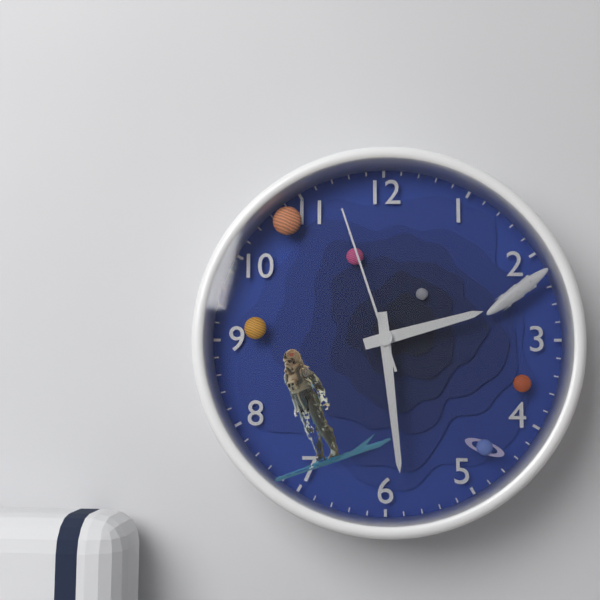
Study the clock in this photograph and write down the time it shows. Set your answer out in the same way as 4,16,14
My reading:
2,29,57
